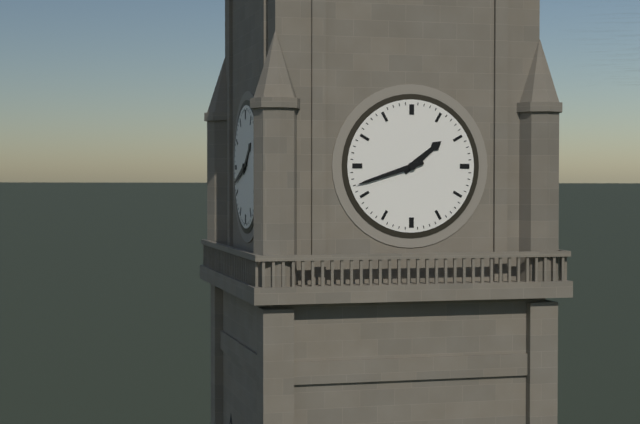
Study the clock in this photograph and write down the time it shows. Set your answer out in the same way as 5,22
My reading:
1,42
